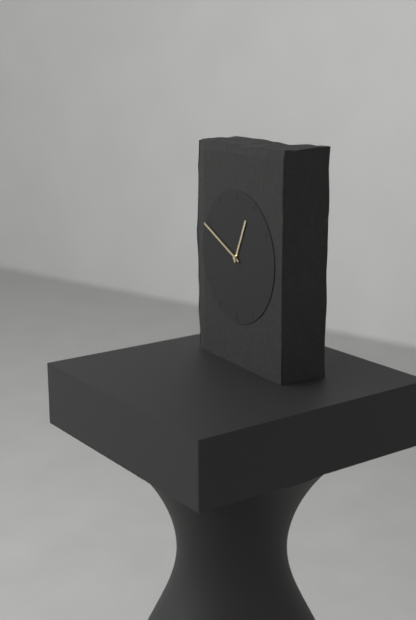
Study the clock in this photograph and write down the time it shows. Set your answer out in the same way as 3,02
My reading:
12,49
